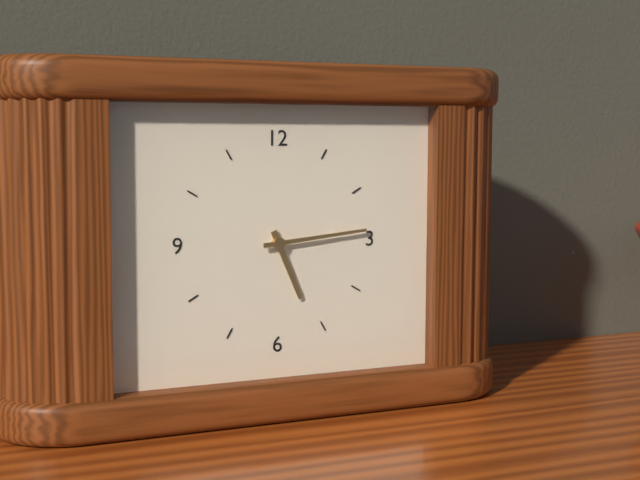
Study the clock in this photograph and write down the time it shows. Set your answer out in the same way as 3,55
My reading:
5,14
